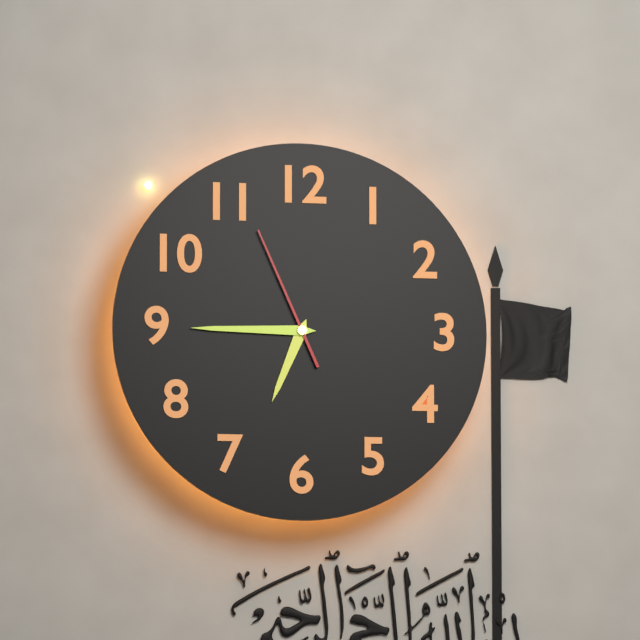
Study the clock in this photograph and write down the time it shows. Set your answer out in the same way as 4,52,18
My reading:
6,45,56
